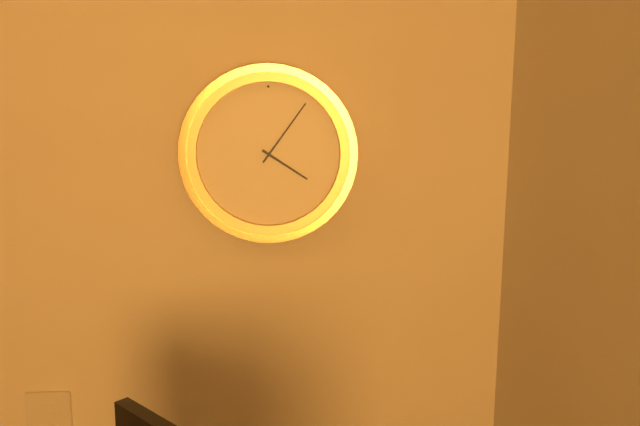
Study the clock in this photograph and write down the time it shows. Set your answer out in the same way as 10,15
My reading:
4,06
